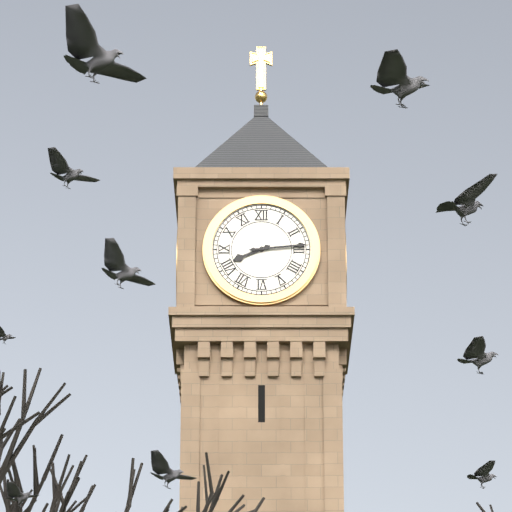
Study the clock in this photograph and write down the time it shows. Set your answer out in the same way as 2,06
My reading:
8,14
